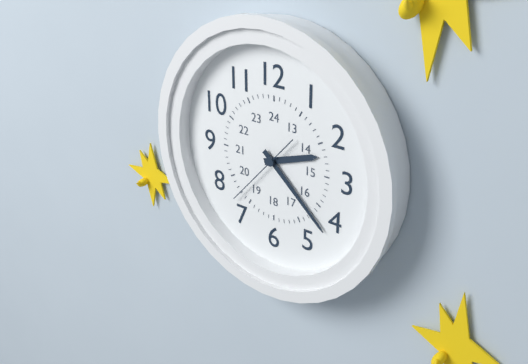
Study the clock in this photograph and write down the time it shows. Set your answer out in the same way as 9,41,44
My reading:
2,22,37
